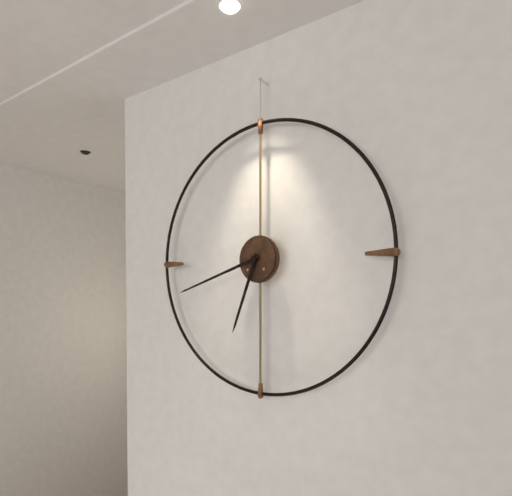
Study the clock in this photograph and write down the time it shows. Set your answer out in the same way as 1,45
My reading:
6,42
